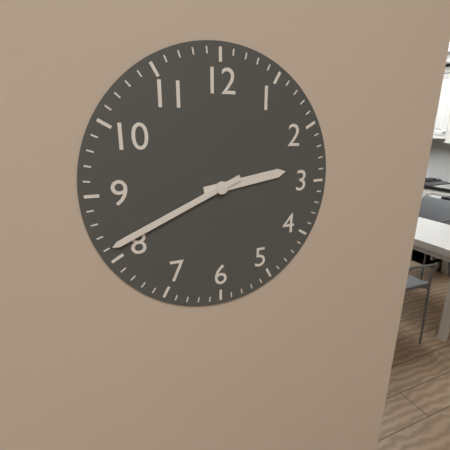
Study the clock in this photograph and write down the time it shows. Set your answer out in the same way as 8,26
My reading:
2,41
